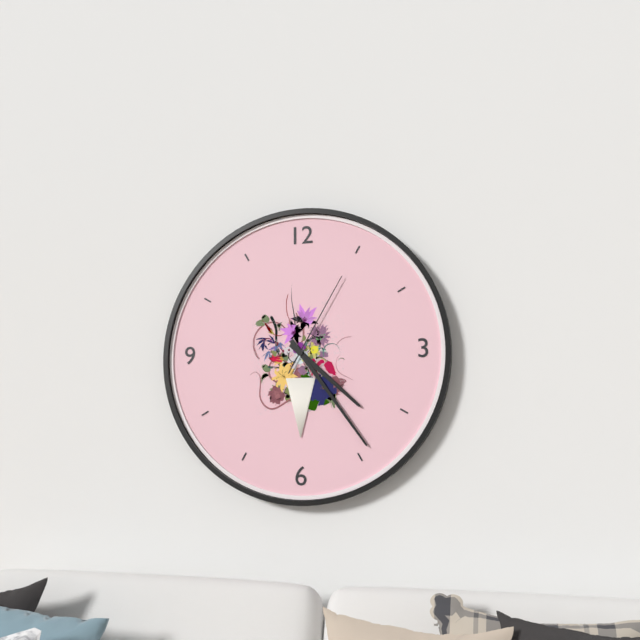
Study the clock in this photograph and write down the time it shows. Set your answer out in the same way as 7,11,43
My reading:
4,24,05
